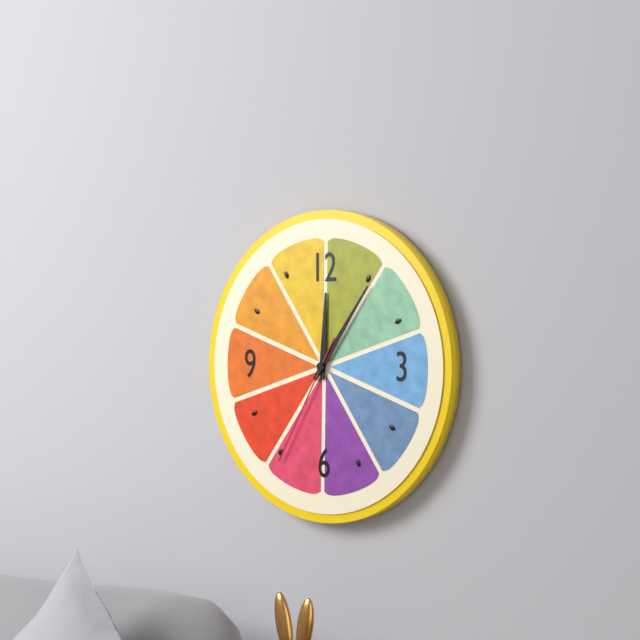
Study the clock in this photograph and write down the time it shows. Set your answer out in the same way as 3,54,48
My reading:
12,06,35
